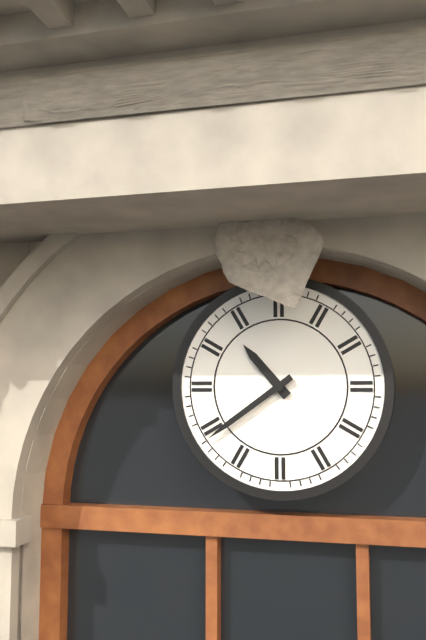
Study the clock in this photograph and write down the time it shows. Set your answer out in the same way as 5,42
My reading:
10,39
